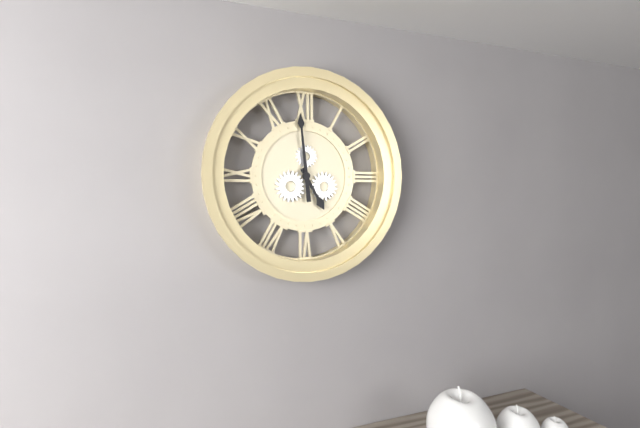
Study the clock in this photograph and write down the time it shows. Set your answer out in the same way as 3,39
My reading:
4,59
